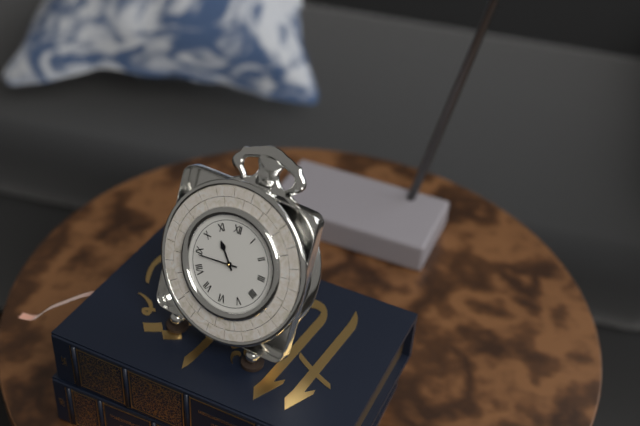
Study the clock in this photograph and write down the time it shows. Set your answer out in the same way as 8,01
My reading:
10,44
